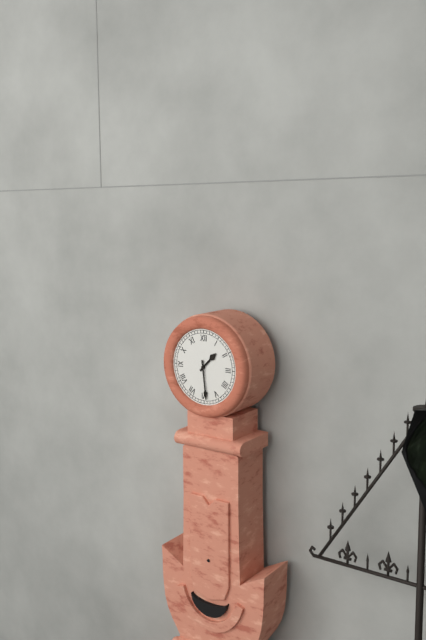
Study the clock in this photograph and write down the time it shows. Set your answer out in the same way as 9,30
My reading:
1,29
